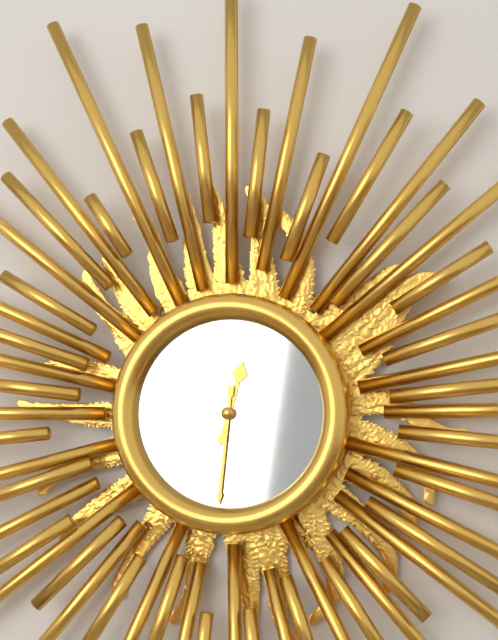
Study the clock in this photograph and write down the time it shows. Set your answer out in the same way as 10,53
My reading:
12,31
